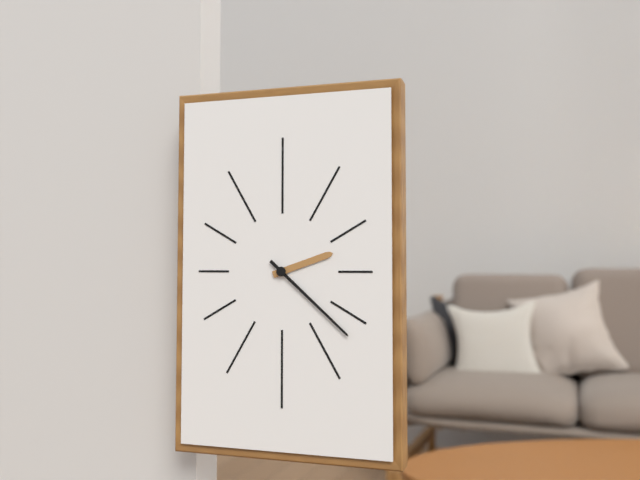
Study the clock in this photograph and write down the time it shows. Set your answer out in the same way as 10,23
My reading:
2,22
